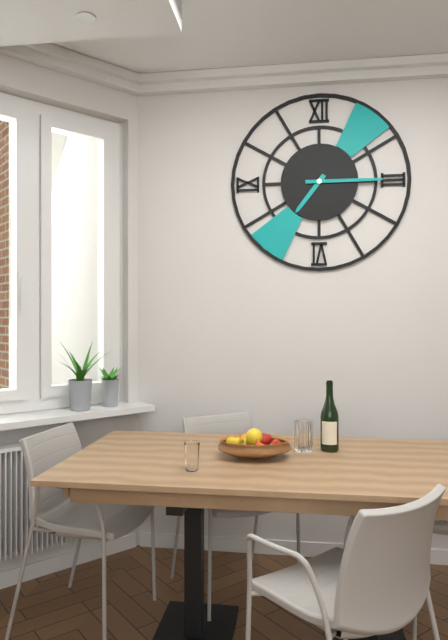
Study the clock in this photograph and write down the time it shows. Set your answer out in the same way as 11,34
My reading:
7,15
